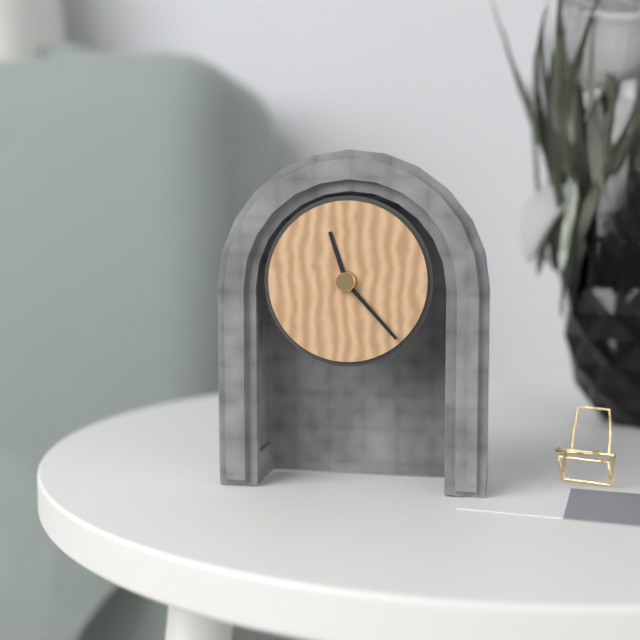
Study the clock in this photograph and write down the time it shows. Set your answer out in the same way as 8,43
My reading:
11,23
